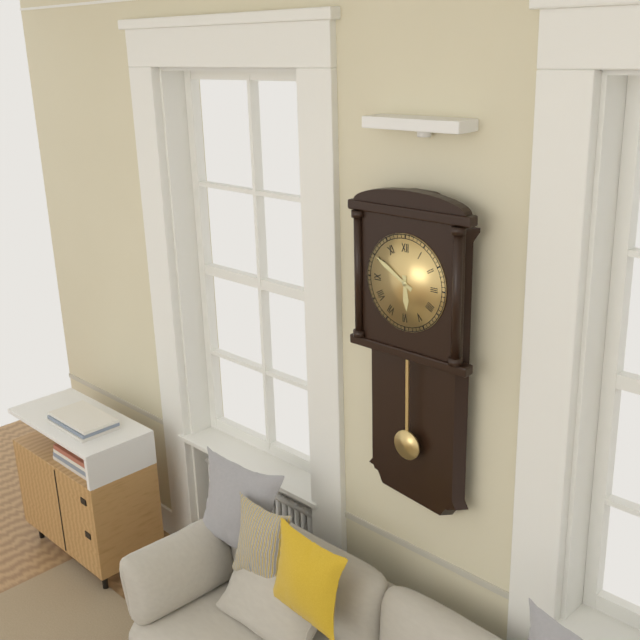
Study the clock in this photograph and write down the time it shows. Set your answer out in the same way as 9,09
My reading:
5,50
